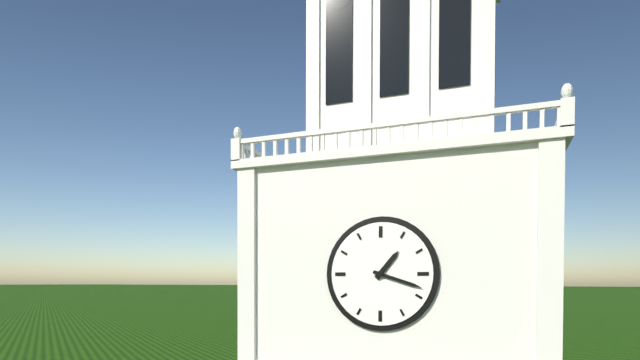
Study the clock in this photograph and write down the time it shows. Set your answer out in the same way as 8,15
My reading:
1,18
